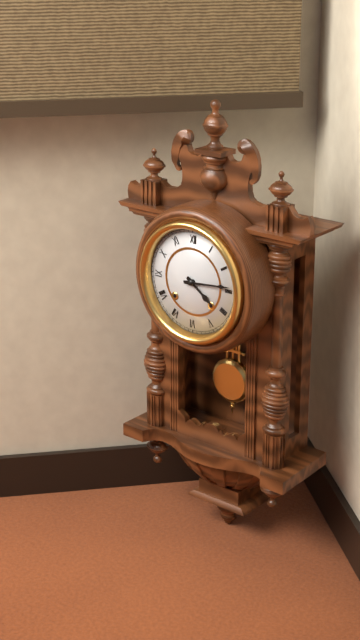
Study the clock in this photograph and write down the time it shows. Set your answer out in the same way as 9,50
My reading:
4,14
